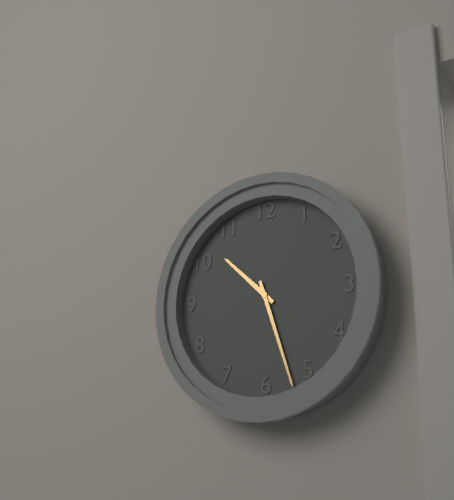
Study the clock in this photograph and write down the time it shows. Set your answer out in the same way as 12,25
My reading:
10,27
